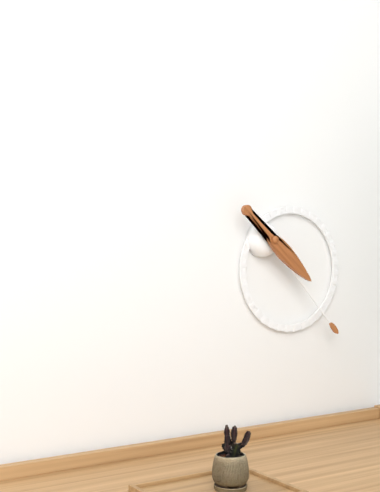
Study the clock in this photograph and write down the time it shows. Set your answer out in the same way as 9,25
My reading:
4,23
